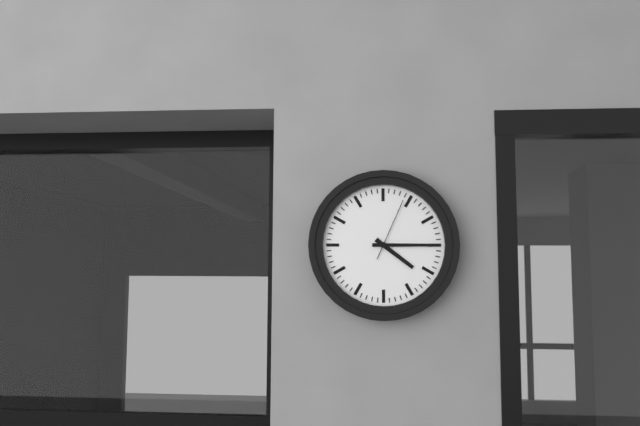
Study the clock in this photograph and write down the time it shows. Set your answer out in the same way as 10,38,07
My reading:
4,15,04
